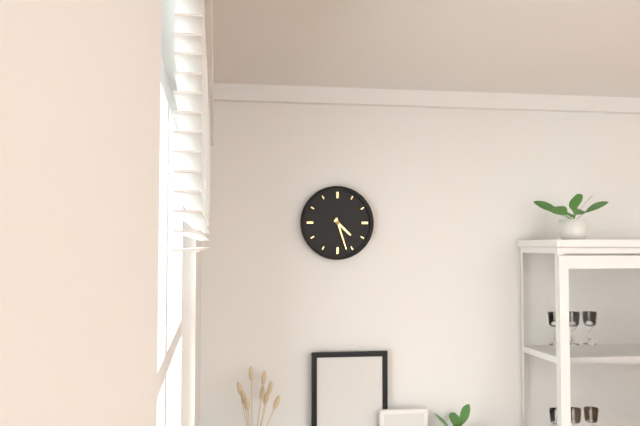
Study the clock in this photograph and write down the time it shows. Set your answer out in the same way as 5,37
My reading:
4,27
